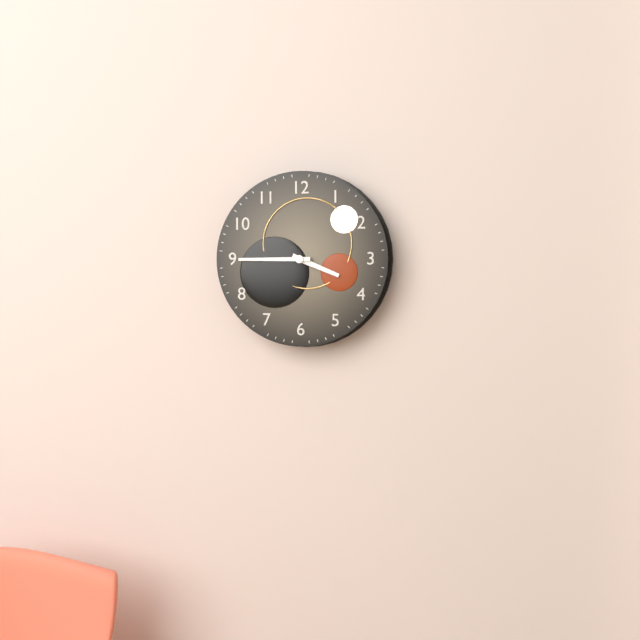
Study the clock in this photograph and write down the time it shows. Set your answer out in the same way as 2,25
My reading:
3,45
